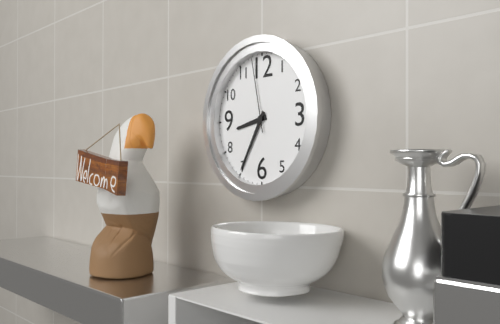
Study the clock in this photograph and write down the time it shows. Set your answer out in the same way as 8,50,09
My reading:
8,35,58
